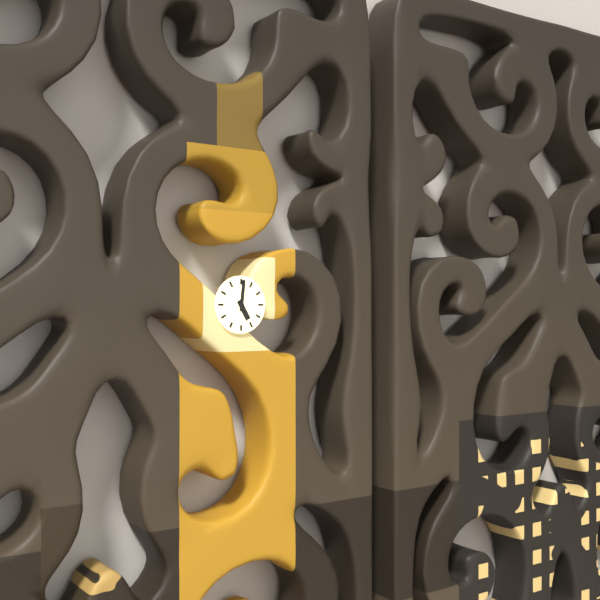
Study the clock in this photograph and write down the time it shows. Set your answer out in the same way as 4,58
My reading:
5,01
